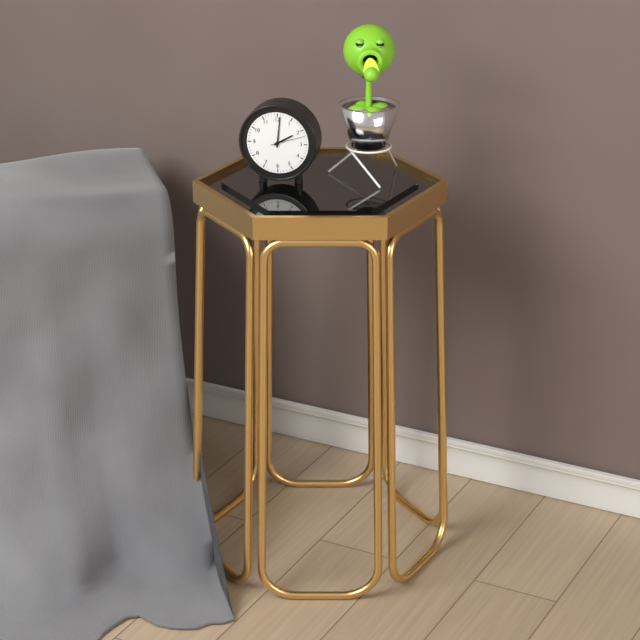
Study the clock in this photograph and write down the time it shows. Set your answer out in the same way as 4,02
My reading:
2,01
